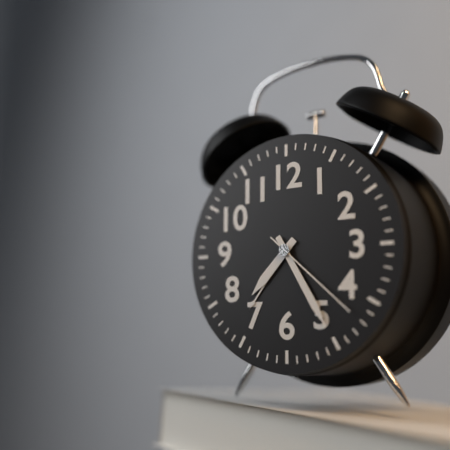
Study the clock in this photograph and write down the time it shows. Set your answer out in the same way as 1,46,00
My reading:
7,25,22
